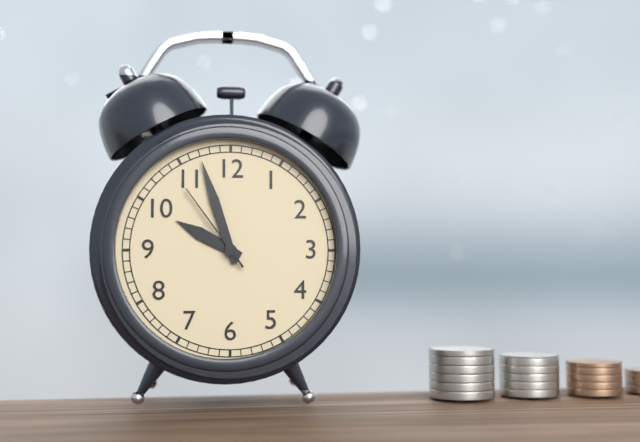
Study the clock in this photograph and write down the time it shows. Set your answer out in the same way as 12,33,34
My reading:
9,57,54
